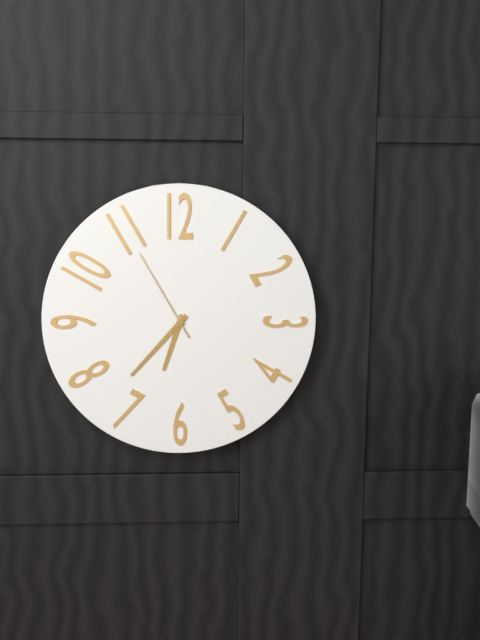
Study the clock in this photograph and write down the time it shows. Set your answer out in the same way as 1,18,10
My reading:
6,37,55
